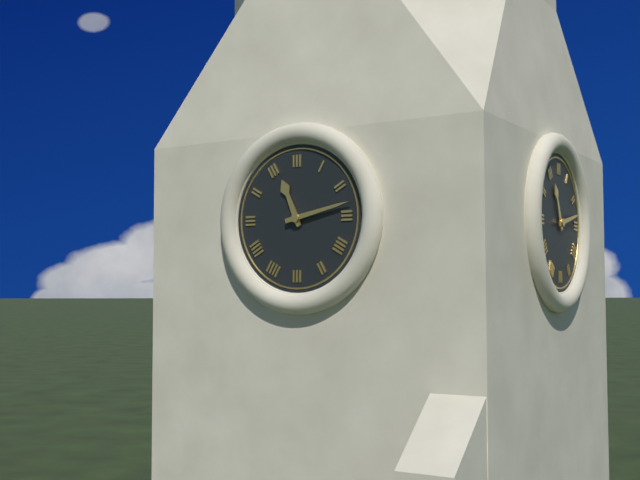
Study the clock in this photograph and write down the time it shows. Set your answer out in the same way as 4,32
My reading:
11,13
